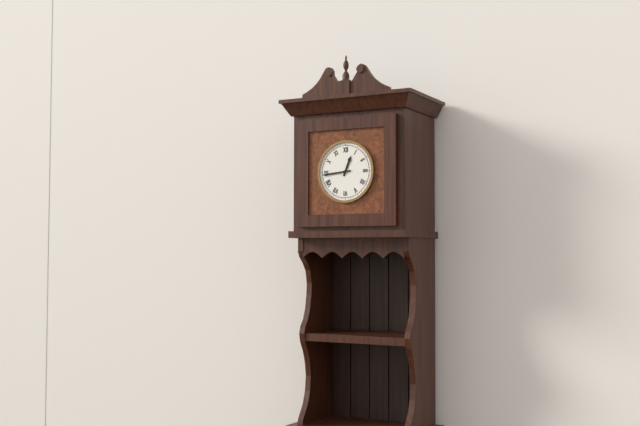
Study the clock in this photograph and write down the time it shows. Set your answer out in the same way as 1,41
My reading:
12,44
